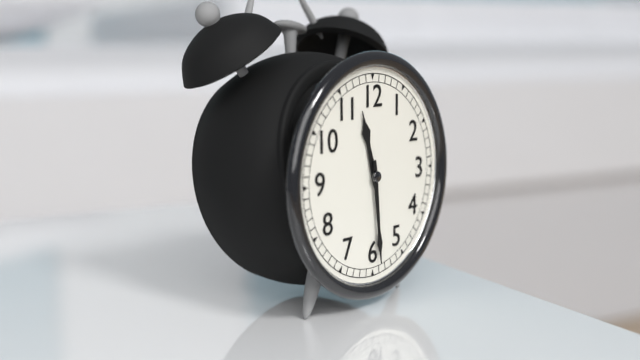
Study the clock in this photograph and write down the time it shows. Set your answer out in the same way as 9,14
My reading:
11,29
